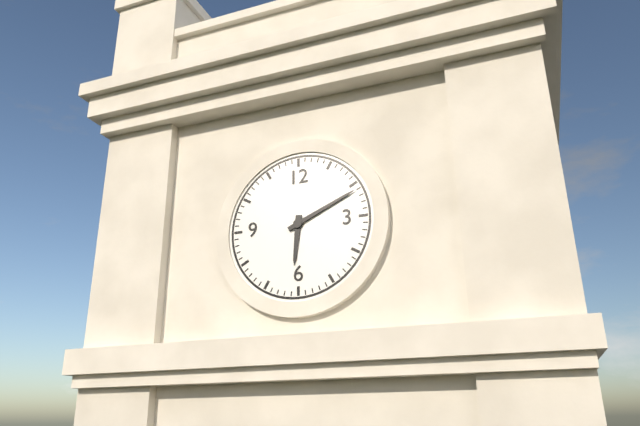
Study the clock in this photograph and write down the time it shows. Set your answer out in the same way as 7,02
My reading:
6,11
